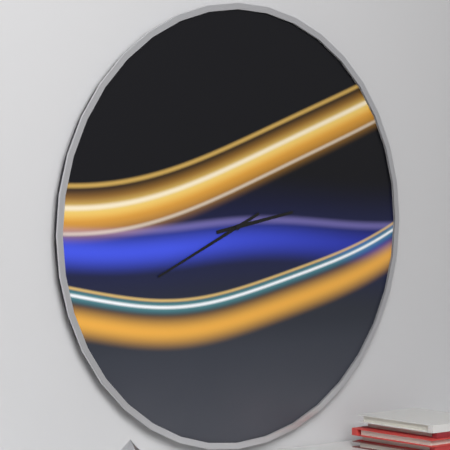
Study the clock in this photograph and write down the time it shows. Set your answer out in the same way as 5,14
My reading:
2,41
